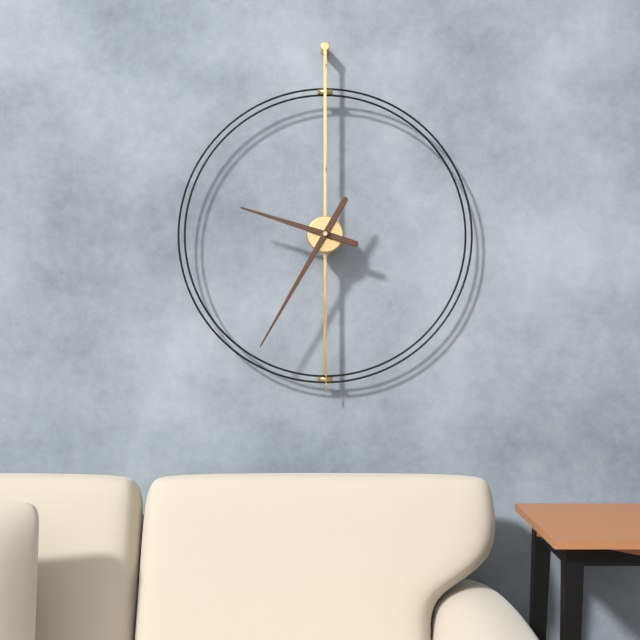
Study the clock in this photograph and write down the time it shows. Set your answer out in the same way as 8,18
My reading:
9,35
